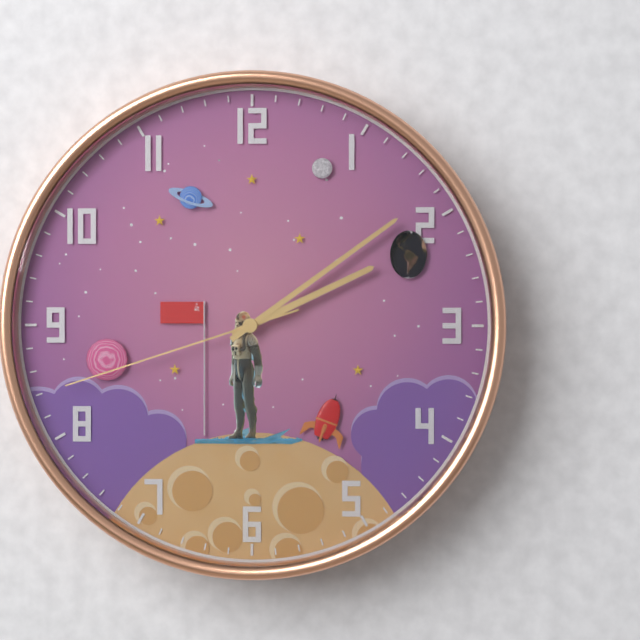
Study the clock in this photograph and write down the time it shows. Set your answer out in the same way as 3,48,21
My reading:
2,09,42
